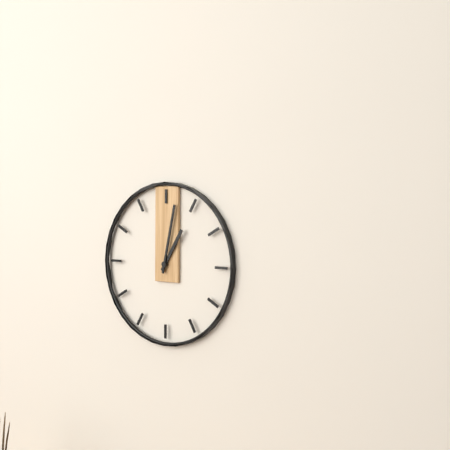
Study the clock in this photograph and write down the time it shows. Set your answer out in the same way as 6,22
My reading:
1,02
